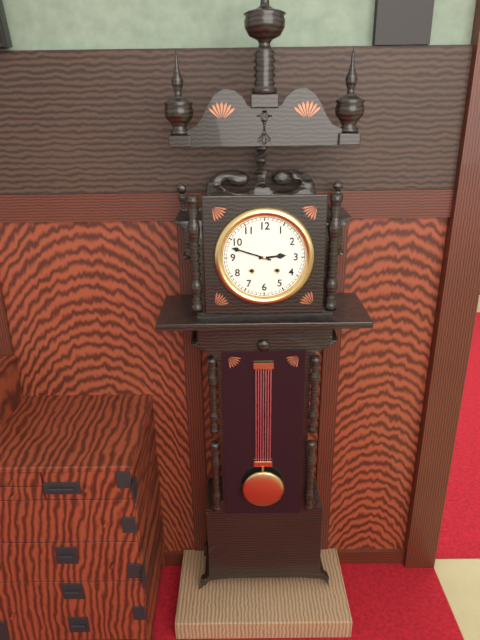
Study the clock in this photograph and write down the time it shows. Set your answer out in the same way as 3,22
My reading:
2,48
